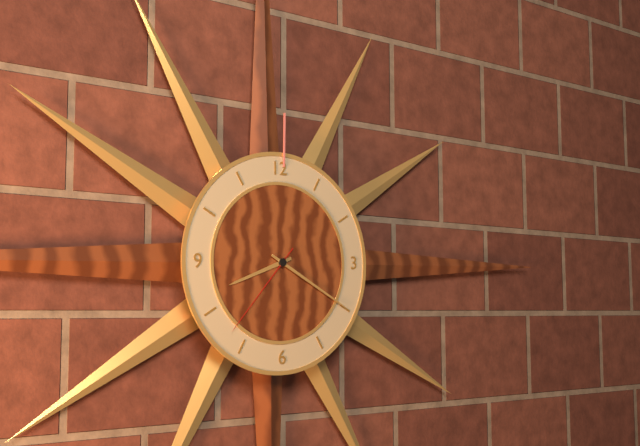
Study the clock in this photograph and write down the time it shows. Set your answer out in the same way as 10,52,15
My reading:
8,20,37
